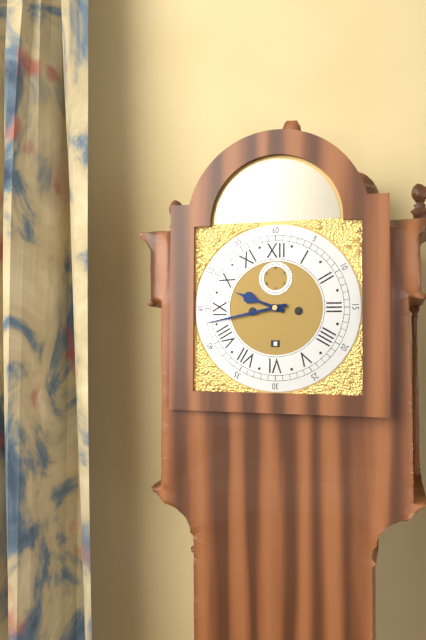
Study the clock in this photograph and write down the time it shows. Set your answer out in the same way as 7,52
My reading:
9,43
